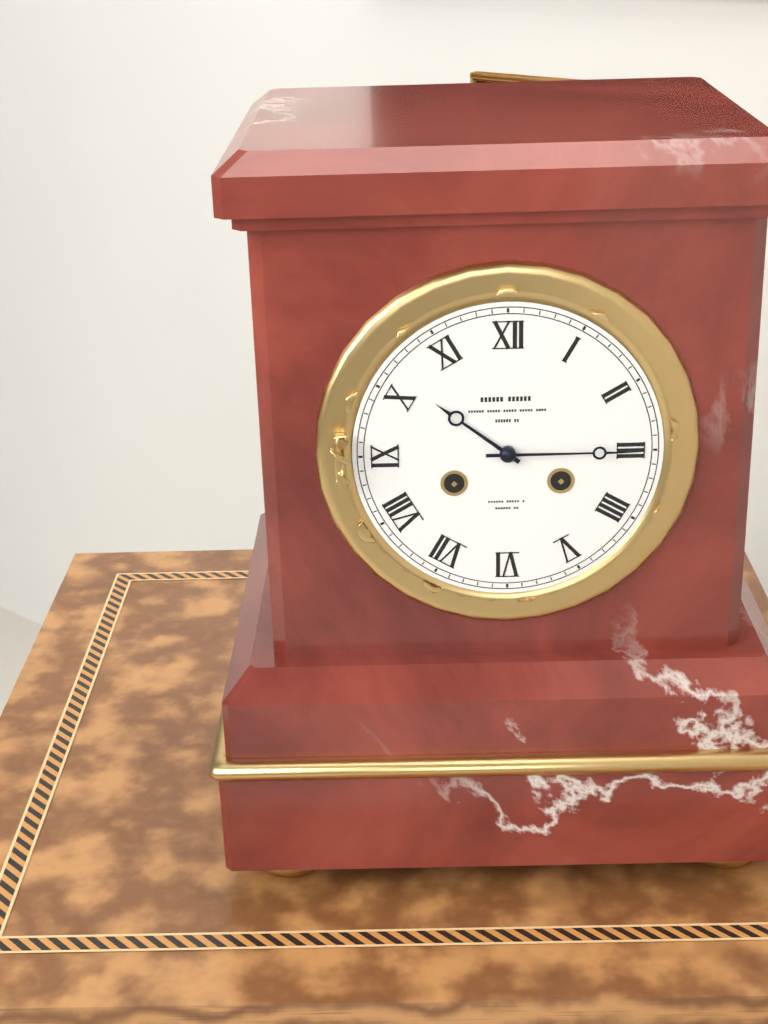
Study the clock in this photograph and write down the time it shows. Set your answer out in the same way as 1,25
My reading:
10,15
